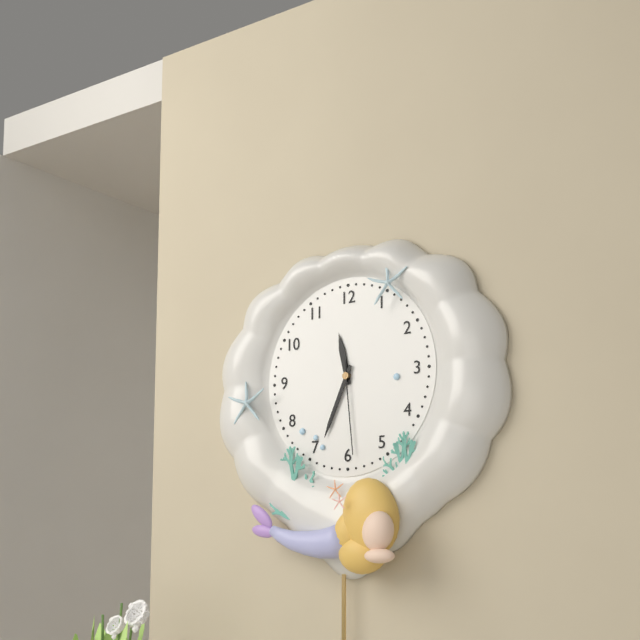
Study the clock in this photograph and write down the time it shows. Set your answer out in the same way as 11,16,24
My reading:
11,34,29
